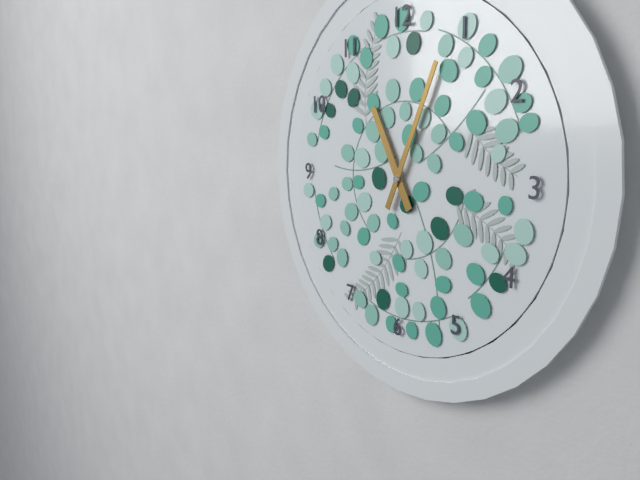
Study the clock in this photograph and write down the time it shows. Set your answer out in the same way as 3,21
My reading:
11,04
